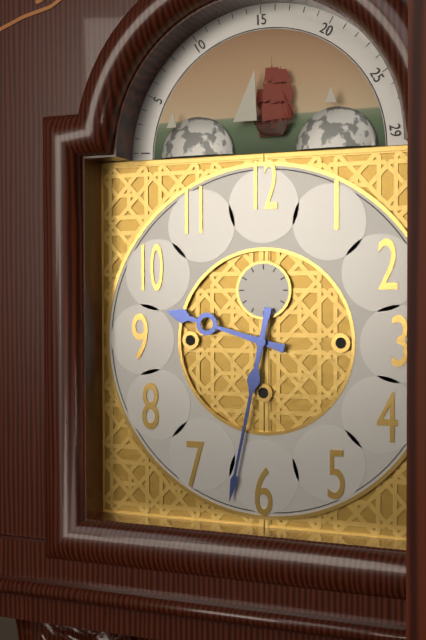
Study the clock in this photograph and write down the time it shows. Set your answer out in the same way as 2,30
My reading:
9,32
